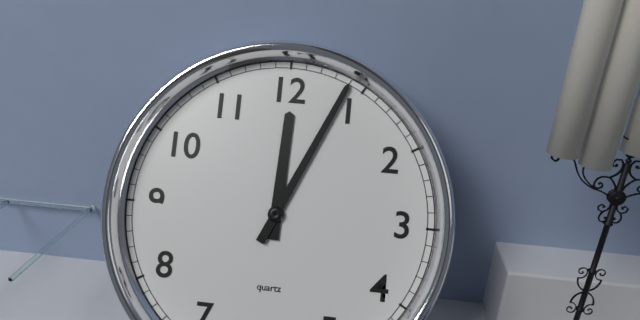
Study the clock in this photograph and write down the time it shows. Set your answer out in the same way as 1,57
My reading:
12,04
